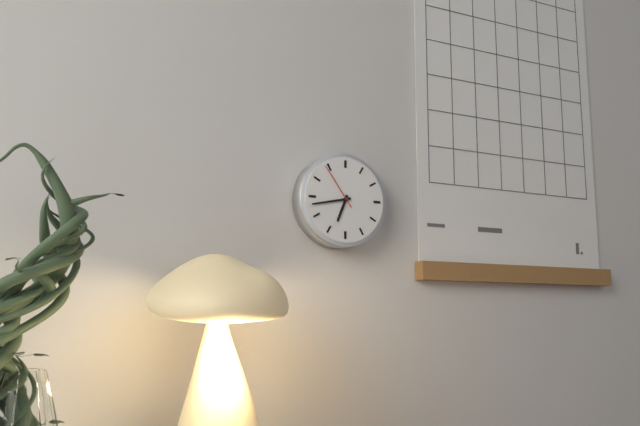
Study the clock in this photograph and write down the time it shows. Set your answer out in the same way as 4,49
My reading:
6,43
